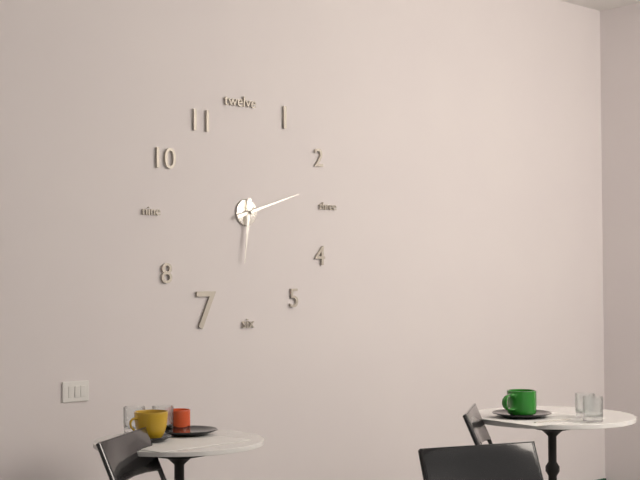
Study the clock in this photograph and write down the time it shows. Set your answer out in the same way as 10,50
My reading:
6,12
